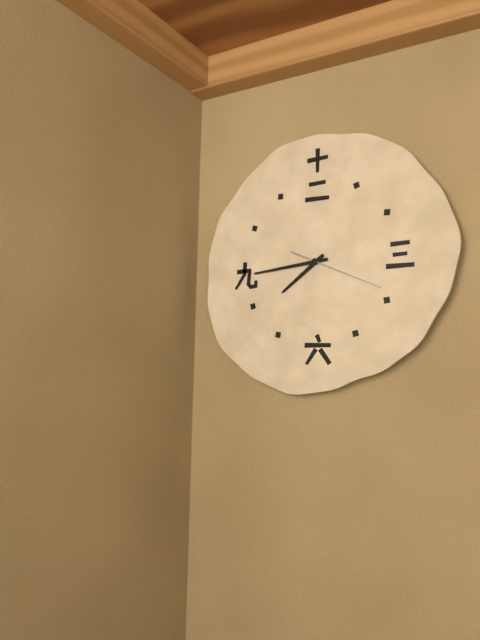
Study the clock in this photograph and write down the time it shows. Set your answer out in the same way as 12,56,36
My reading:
7,44,19
